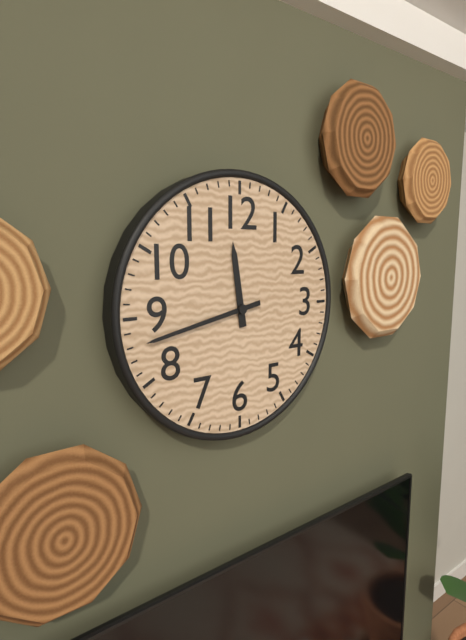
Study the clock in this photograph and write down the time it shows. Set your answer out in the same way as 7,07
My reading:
11,43
